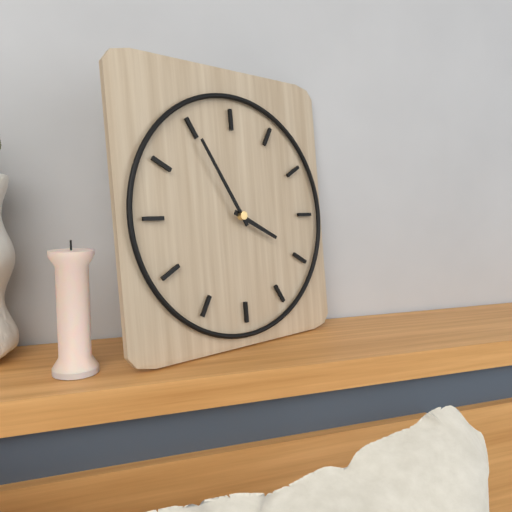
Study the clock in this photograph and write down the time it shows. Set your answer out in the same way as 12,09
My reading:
3,55
